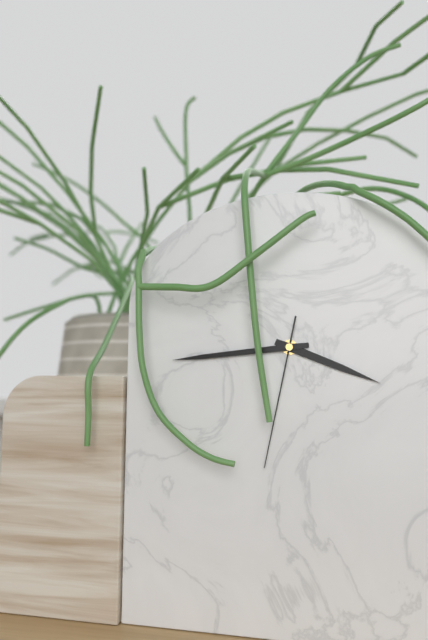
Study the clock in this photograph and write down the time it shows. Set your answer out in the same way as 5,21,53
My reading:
3,44,32
